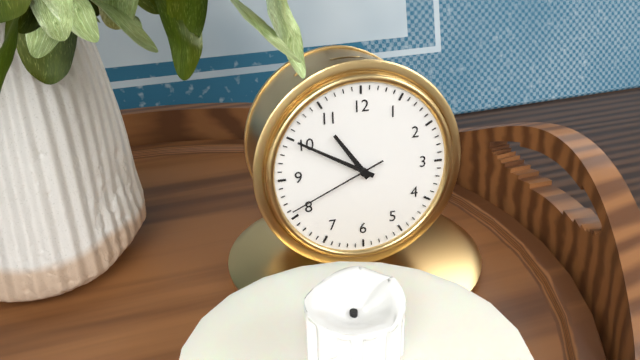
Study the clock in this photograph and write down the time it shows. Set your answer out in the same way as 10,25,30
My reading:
10,50,41
